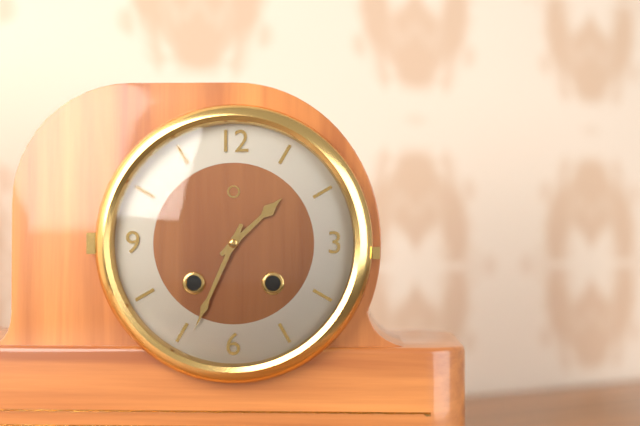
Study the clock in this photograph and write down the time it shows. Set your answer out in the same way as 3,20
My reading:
1,34
